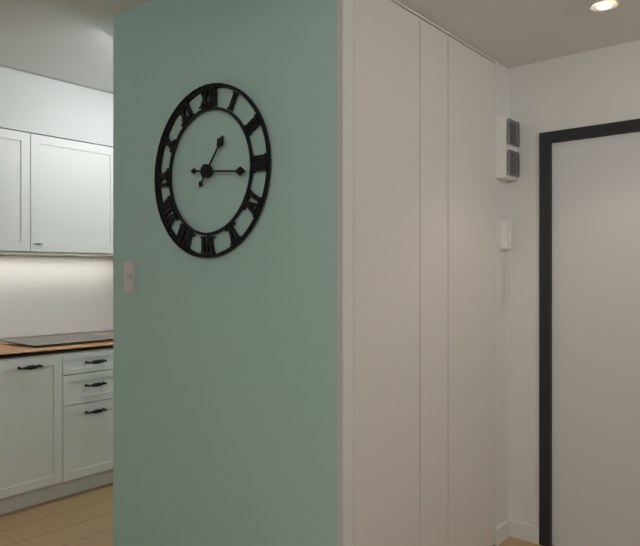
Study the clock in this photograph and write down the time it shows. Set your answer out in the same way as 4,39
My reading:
1,16
